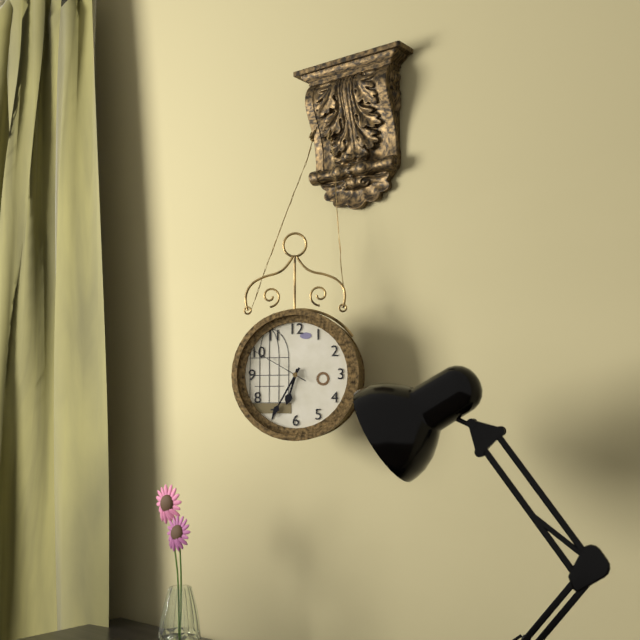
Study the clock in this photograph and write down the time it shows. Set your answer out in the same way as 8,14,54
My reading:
6,35,50
